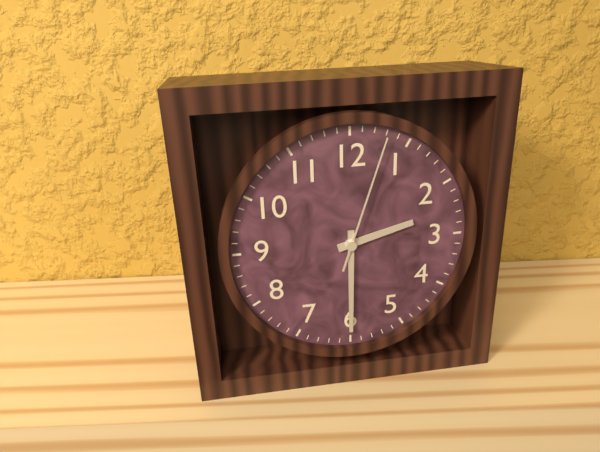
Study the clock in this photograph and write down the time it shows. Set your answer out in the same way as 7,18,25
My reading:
2,30,03
